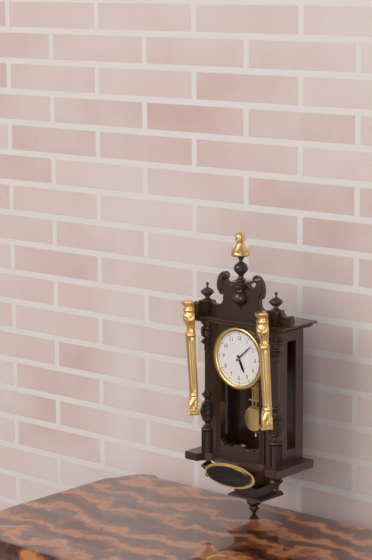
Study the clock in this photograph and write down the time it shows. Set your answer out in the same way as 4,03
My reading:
5,08
